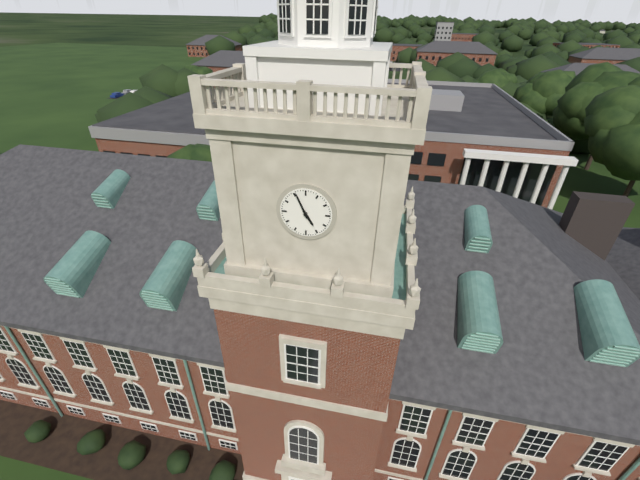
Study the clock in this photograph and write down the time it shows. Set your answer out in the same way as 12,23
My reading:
4,56
